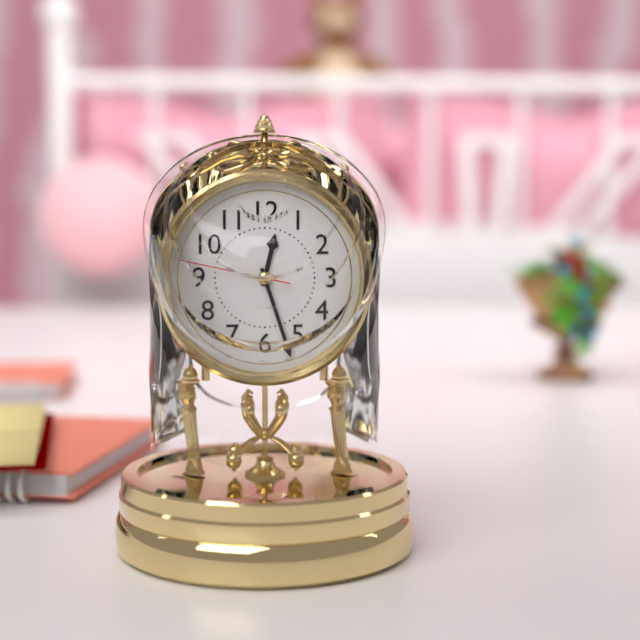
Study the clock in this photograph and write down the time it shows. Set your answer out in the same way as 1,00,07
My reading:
12,27,47
